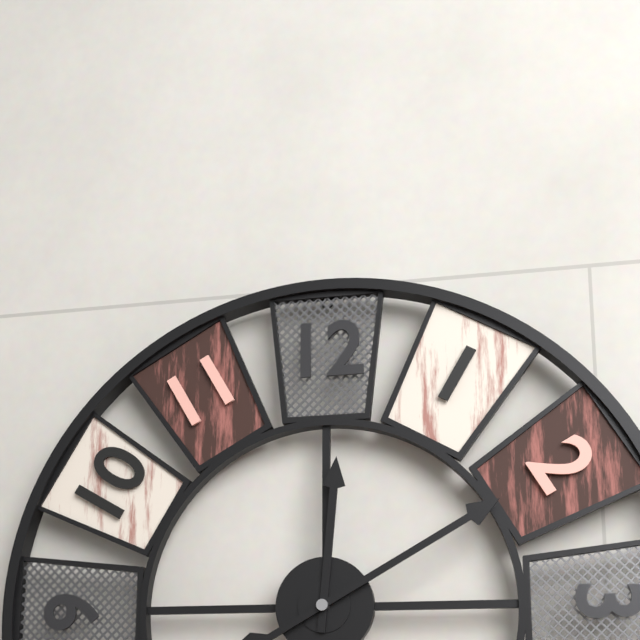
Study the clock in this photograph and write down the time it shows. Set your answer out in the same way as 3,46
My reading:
12,10
